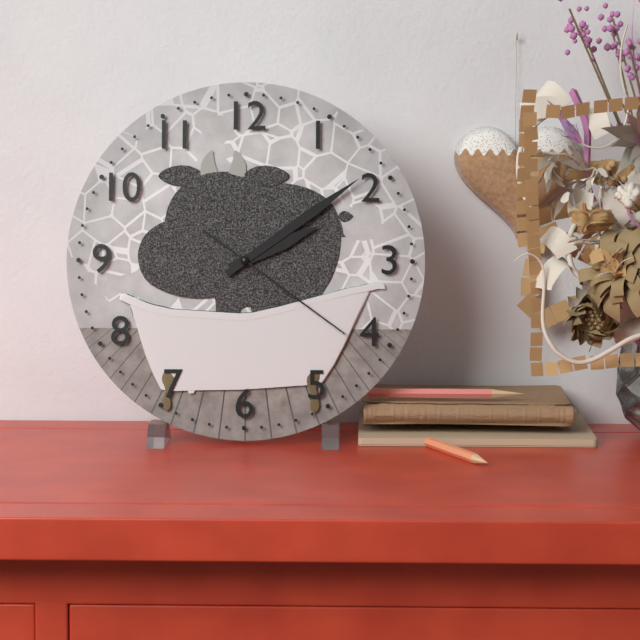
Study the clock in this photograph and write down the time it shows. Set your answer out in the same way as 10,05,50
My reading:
2,09,21
